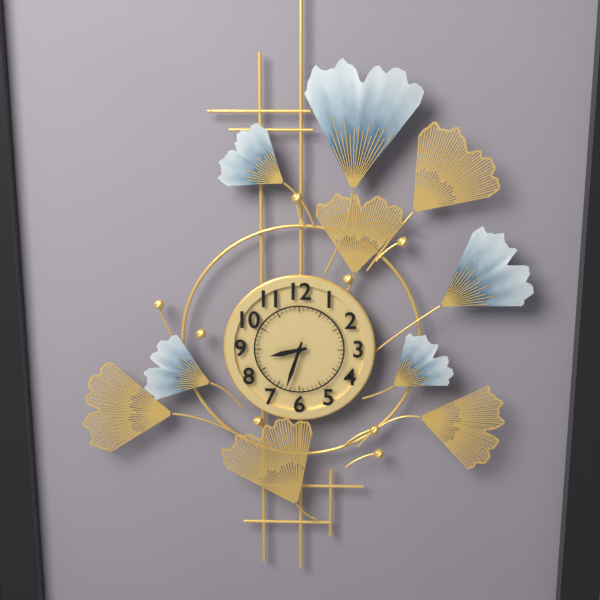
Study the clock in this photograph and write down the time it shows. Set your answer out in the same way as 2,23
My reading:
8,33
